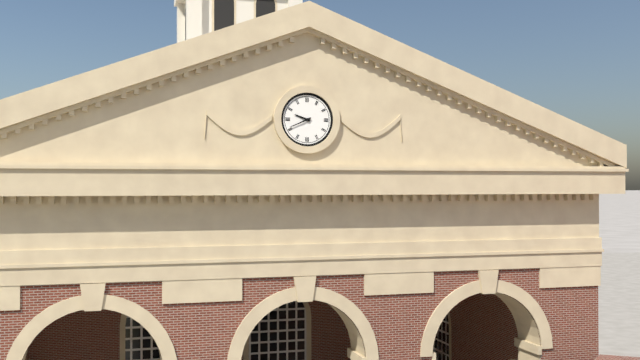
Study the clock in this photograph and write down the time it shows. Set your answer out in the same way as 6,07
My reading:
9,41
